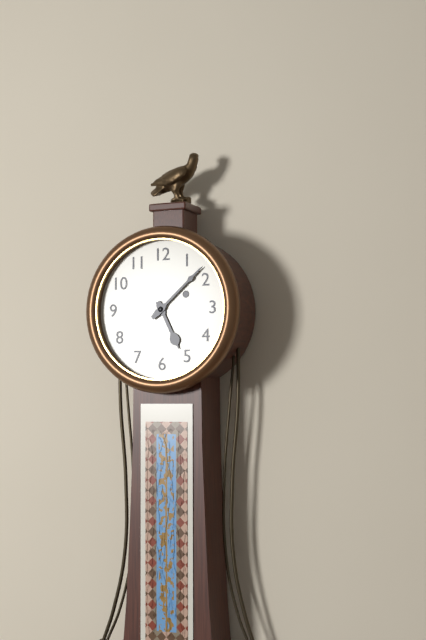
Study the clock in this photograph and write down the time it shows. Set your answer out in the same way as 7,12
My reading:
5,08
